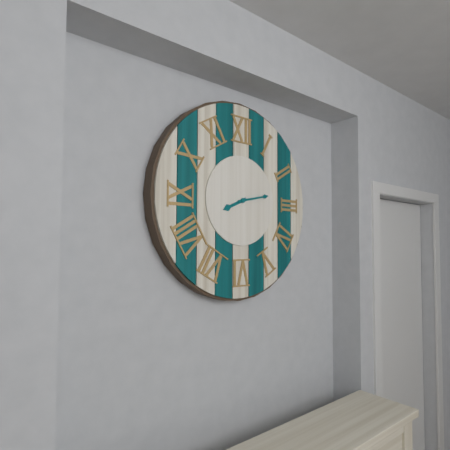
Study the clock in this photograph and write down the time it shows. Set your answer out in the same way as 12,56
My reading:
8,13
